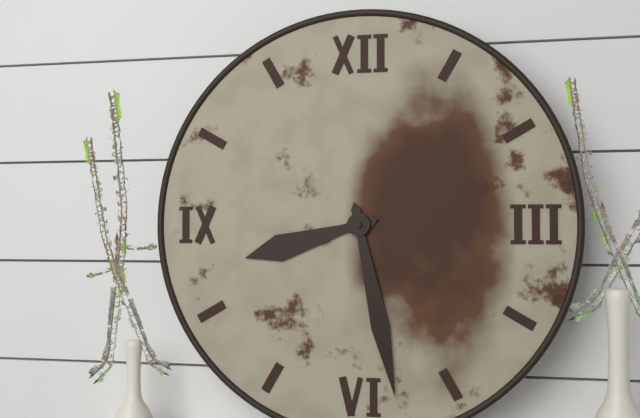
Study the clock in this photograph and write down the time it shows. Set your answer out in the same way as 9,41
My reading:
8,28
